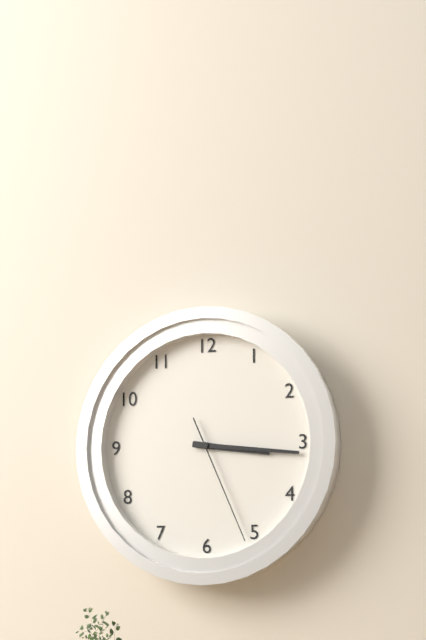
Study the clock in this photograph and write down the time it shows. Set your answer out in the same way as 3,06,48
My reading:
3,16,26
